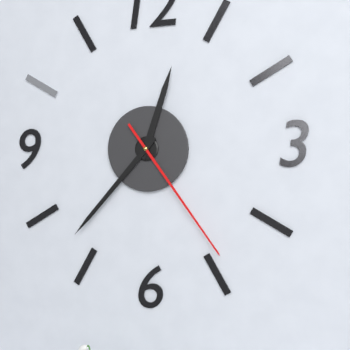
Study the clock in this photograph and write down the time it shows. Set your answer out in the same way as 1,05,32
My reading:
12,37,24
